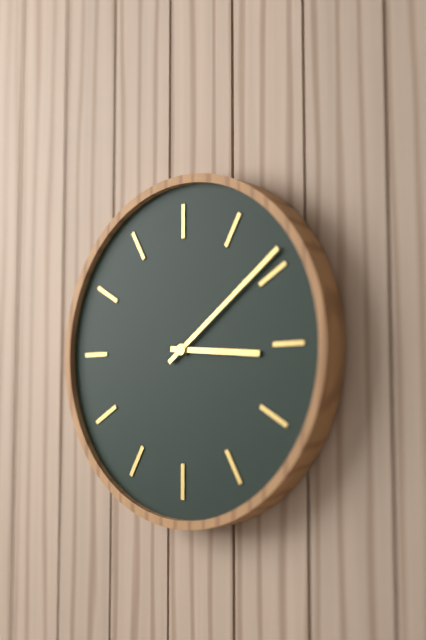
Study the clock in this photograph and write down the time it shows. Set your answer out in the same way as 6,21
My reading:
3,09
